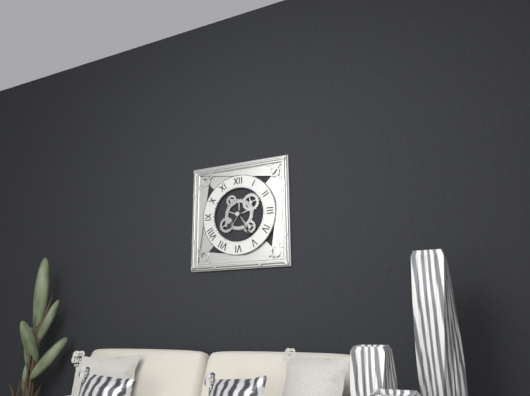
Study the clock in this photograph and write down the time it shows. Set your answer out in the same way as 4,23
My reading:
7,25
